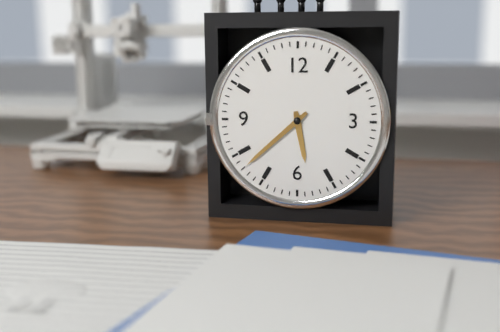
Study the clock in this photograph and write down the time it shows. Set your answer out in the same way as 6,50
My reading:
5,38
